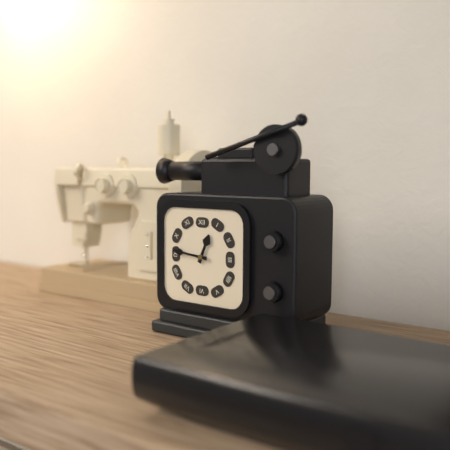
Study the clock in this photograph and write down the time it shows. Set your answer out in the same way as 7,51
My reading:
12,46
